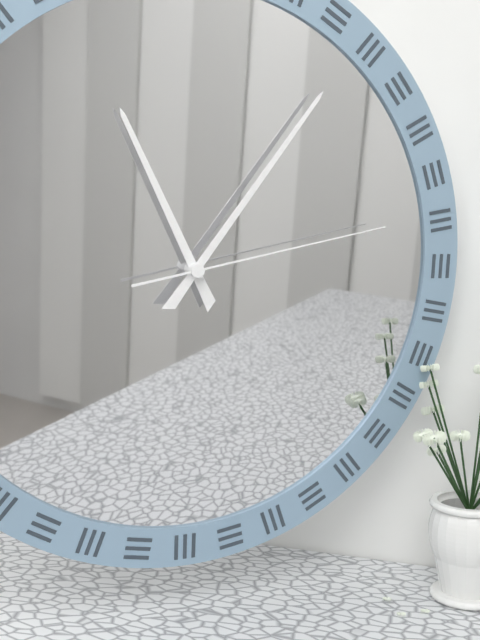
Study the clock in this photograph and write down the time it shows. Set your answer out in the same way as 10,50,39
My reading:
11,06,13
